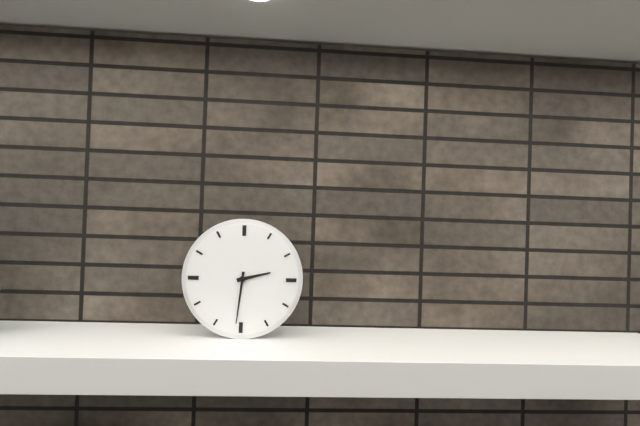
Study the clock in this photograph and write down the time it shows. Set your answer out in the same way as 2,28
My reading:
2,31
